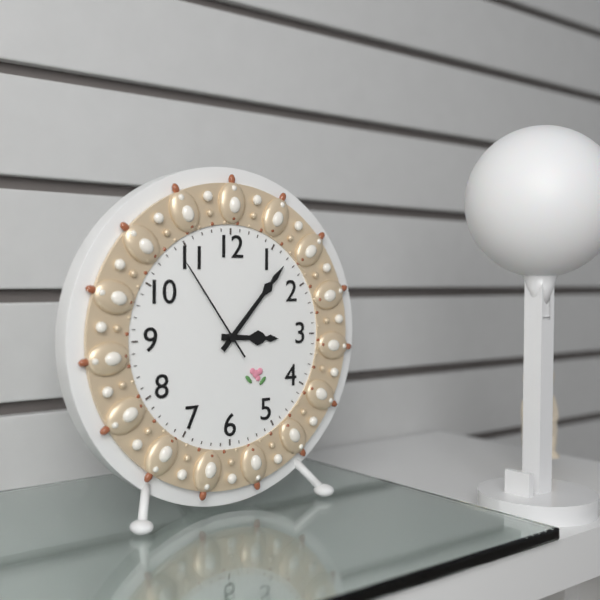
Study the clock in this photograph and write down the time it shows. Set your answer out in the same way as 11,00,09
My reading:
3,07,54
